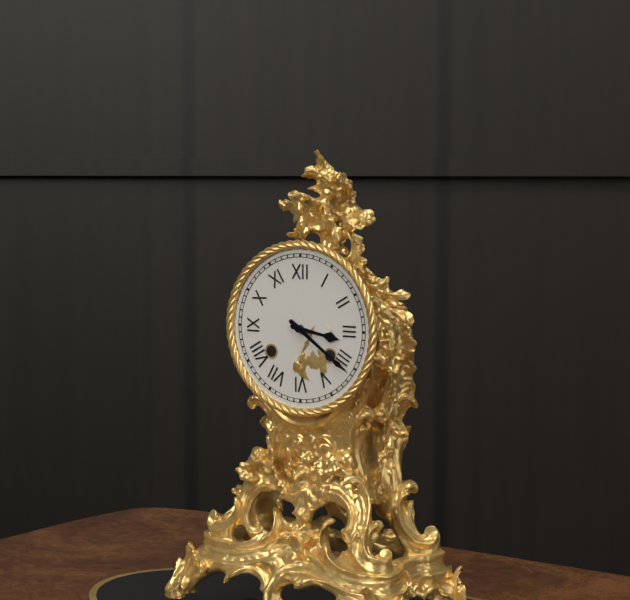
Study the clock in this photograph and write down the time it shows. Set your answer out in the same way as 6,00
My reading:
3,21
